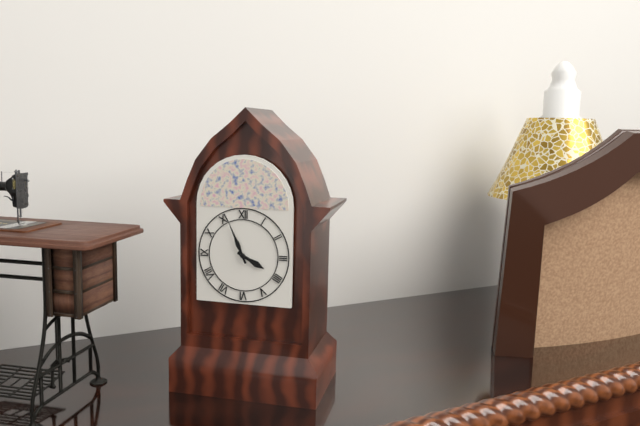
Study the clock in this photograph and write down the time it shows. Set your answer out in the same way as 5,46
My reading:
3,56
